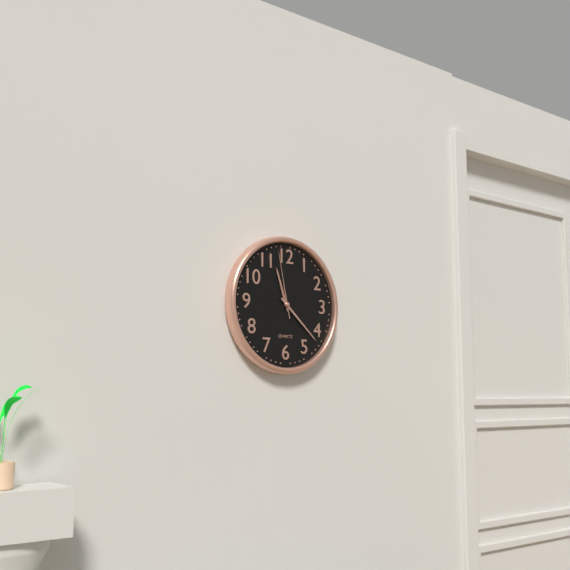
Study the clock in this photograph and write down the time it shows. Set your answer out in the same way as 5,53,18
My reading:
11,22,58
